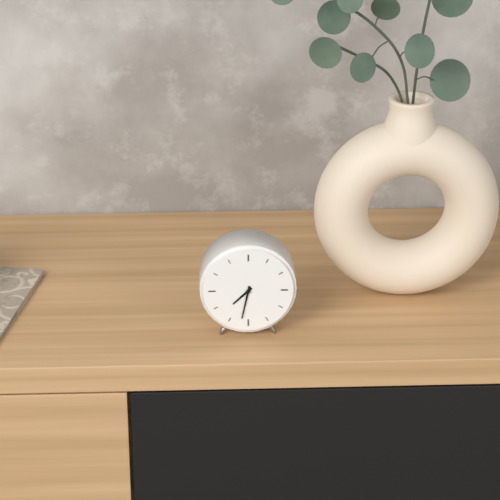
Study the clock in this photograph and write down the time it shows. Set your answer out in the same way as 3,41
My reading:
7,32
